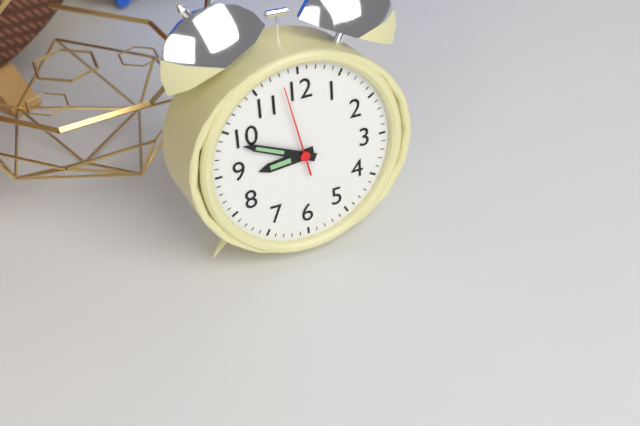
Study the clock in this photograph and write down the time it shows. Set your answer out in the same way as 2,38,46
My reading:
8,49,58
